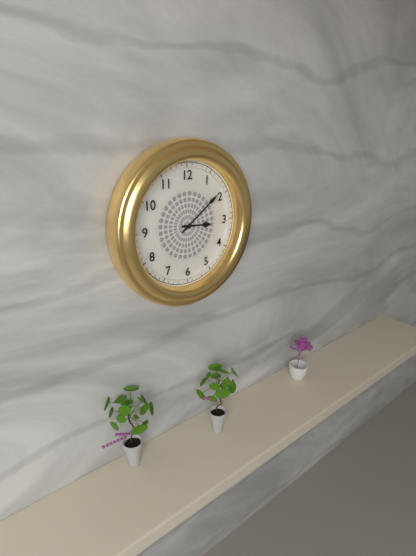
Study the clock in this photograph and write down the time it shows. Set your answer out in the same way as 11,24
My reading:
3,09
